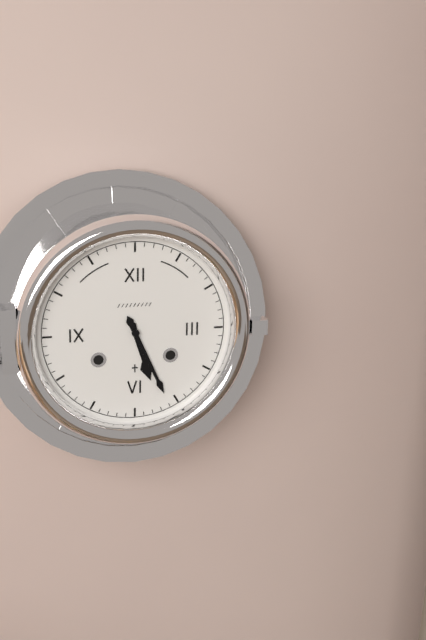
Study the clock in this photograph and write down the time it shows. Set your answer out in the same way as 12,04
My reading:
5,26
